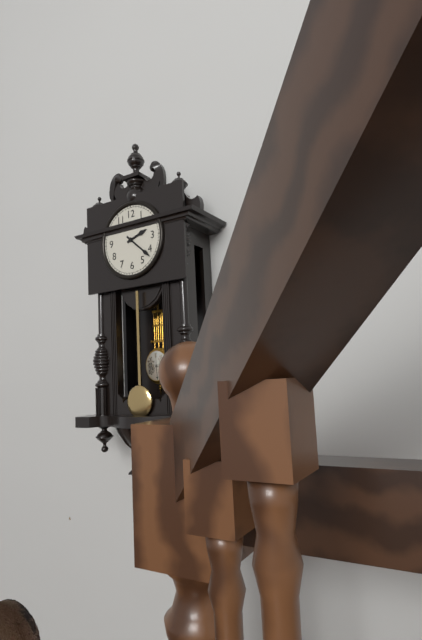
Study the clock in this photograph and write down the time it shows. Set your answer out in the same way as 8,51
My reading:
2,22
